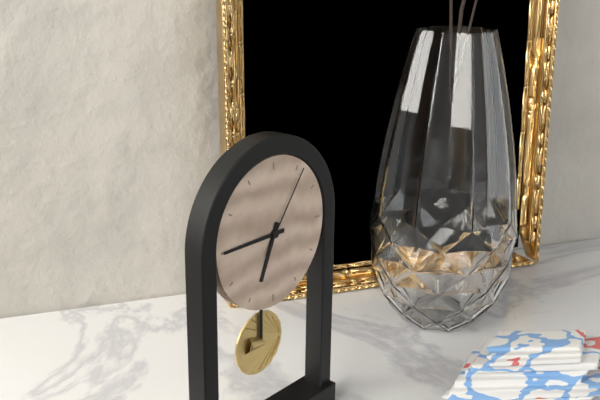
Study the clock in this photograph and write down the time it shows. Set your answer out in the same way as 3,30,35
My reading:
6,45,06
